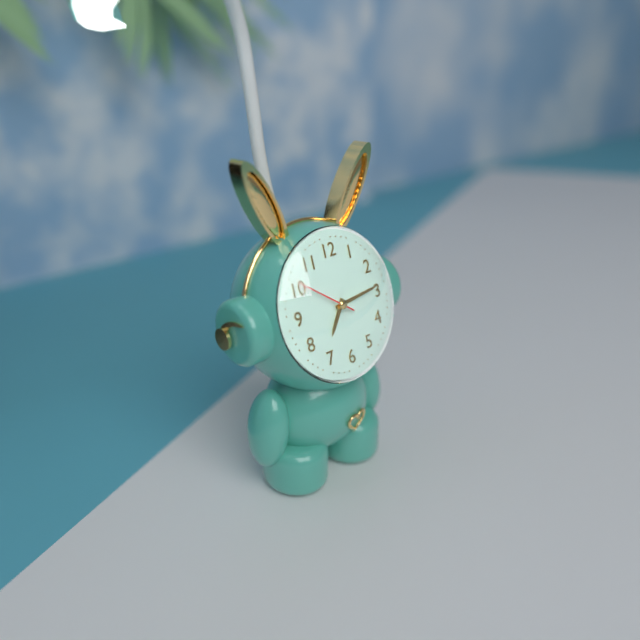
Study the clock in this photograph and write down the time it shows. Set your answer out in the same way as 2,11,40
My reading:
7,14,51
